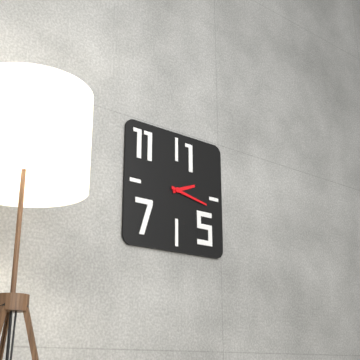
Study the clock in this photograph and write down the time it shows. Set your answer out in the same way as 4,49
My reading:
2,17
